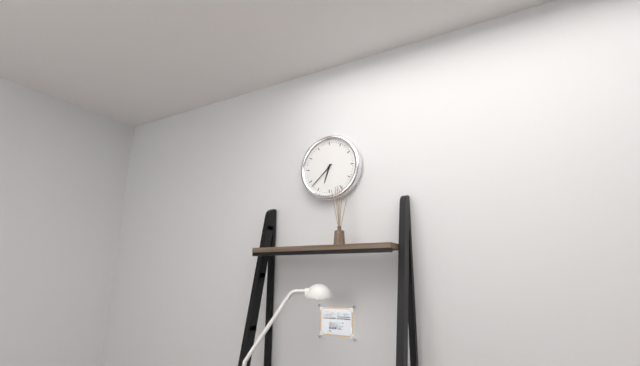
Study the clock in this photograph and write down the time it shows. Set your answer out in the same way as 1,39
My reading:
6,38
